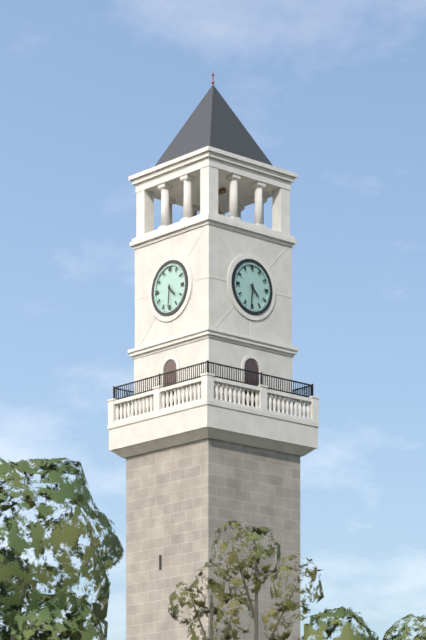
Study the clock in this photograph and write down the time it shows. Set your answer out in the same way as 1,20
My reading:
4,31
